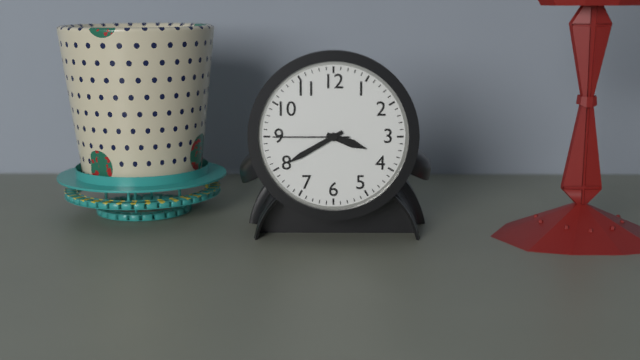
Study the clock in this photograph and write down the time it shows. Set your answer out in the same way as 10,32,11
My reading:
3,40,45
